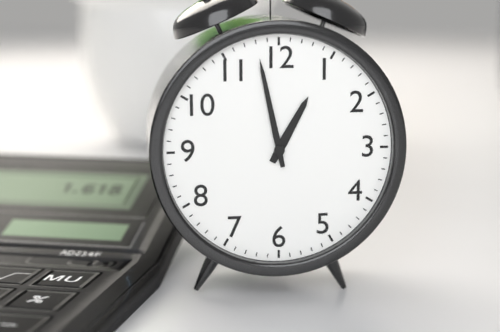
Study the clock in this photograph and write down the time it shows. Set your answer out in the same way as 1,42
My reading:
12,58
